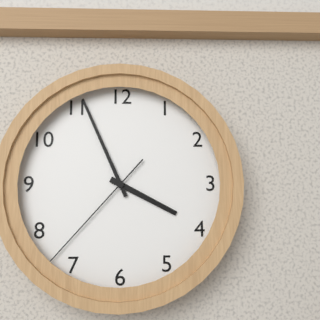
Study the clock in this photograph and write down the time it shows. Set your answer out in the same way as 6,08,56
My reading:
3,56,37
